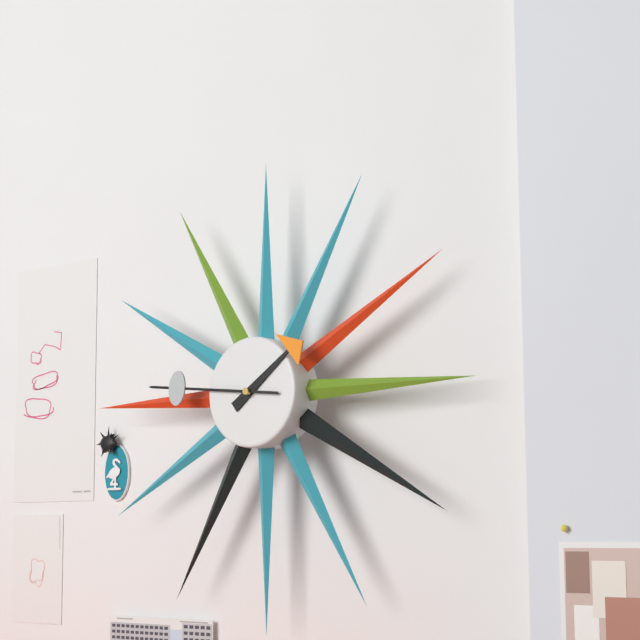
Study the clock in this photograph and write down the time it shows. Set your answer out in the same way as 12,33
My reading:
1,46
